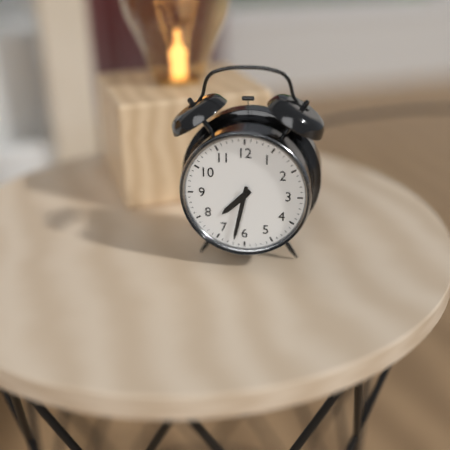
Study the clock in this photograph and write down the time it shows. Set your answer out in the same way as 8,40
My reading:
7,32
